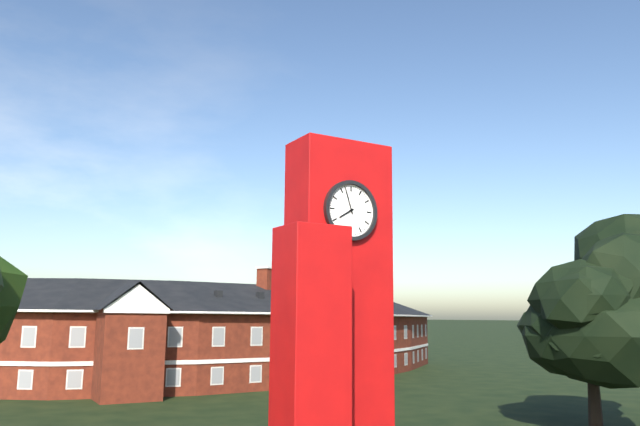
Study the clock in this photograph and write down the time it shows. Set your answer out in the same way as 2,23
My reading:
7,57
